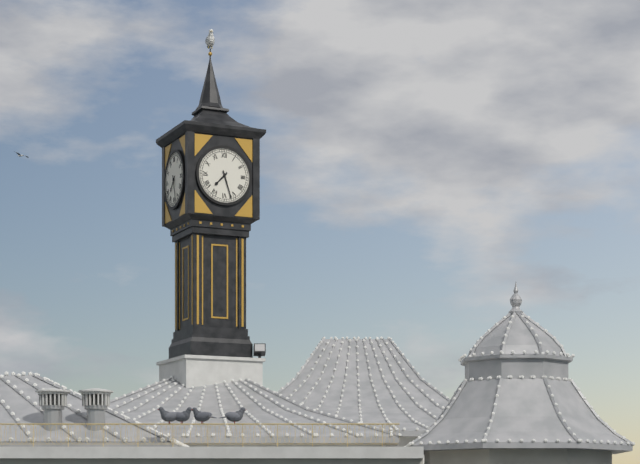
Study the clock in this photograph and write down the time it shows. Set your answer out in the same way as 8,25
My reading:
7,27
